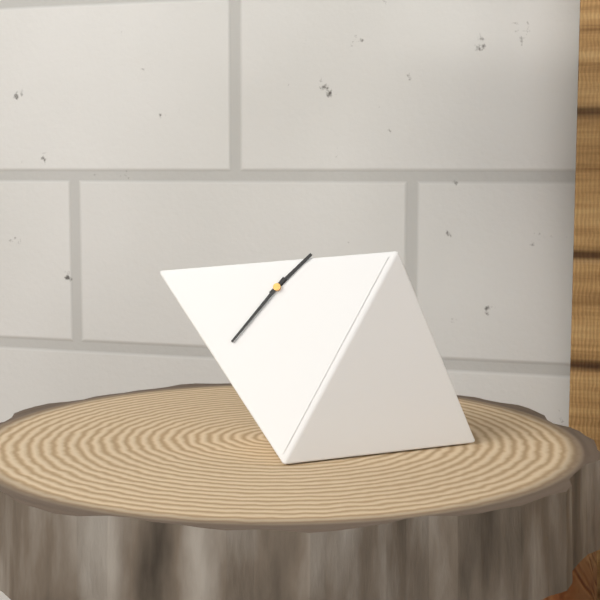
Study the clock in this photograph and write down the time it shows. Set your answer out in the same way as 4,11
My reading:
1,37
